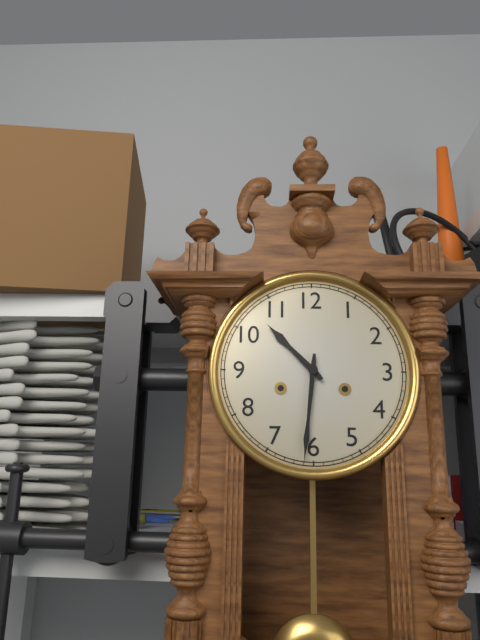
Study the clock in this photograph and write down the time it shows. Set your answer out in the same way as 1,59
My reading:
10,31
